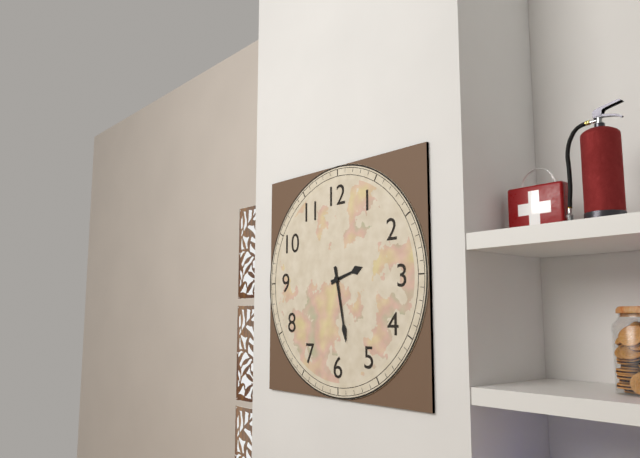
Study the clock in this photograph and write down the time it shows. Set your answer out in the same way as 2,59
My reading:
2,28
